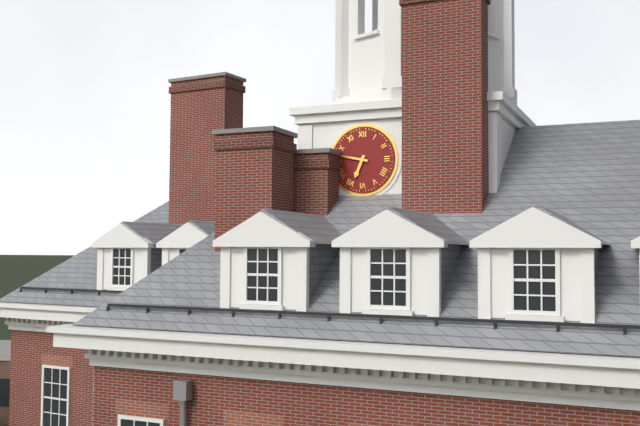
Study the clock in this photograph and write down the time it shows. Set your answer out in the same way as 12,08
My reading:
6,47
